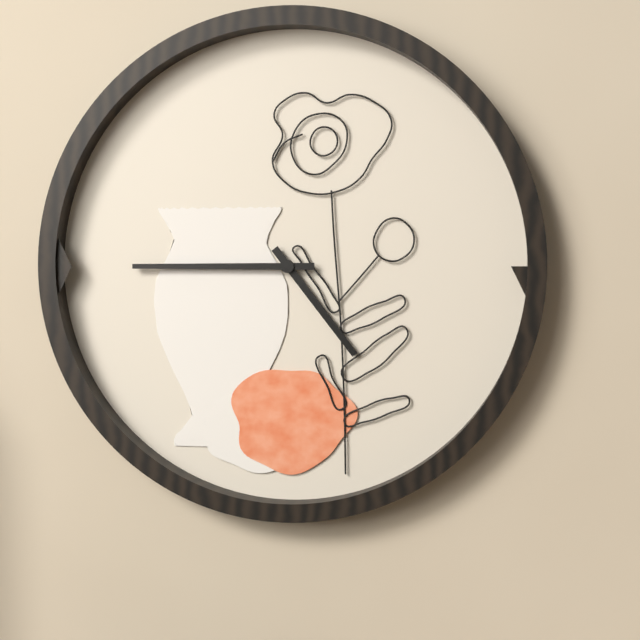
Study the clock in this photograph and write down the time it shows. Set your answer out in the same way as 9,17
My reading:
4,45
